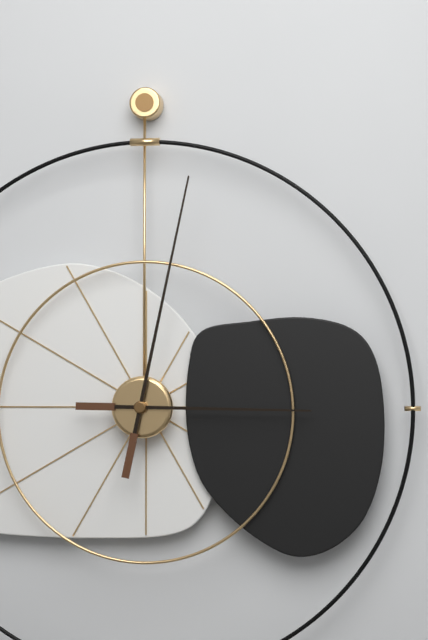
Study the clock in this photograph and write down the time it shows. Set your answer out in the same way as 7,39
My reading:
3,02
